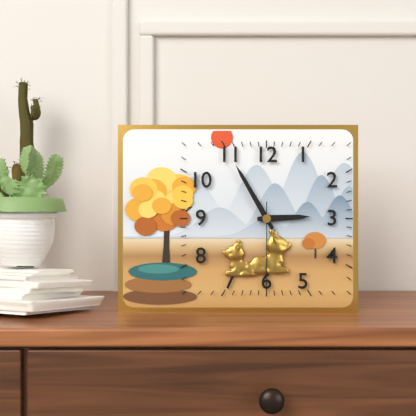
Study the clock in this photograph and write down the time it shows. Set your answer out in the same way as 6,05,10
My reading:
2,55,30
